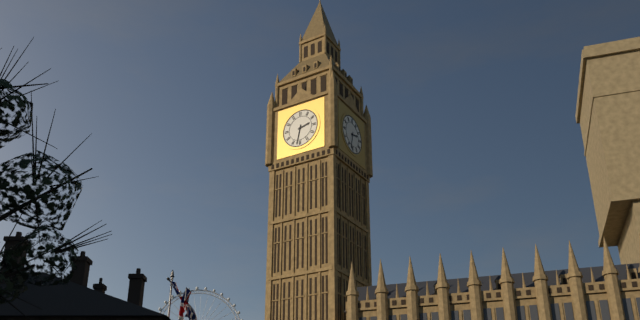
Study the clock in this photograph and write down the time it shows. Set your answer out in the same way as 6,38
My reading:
2,32
